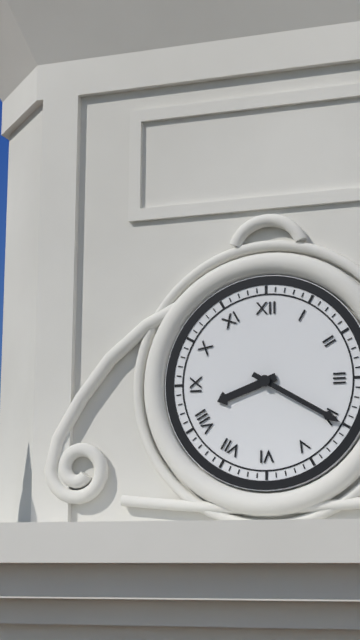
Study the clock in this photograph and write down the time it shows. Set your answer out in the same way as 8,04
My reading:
8,20
